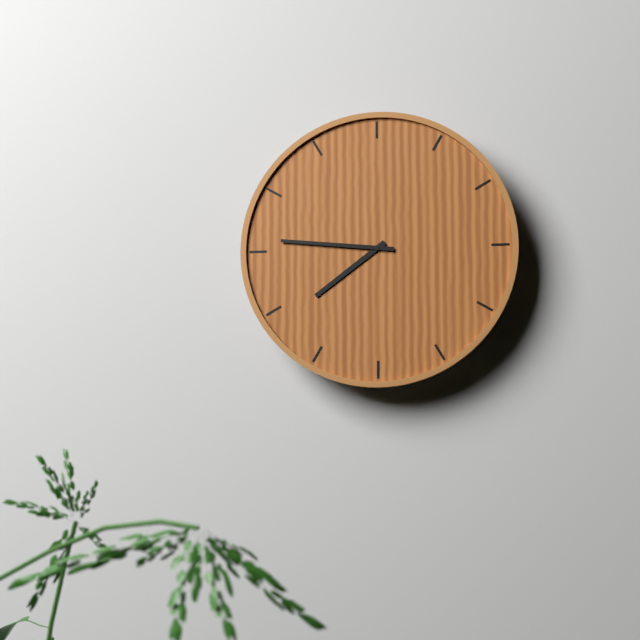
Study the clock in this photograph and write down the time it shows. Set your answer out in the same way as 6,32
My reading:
7,46
